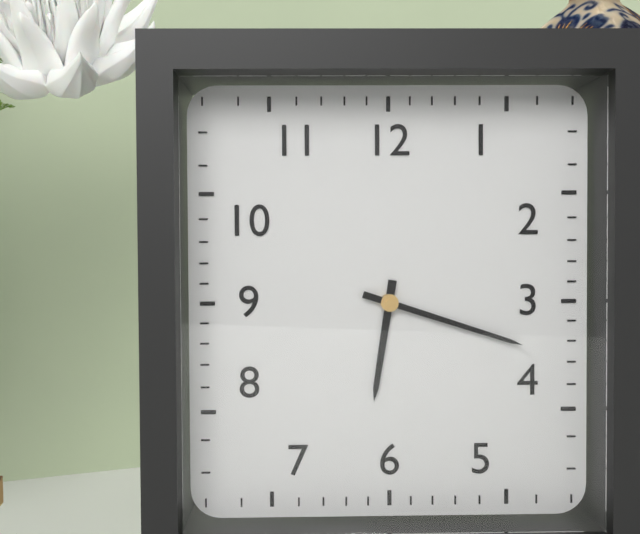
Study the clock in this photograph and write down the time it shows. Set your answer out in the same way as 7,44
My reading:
6,18
